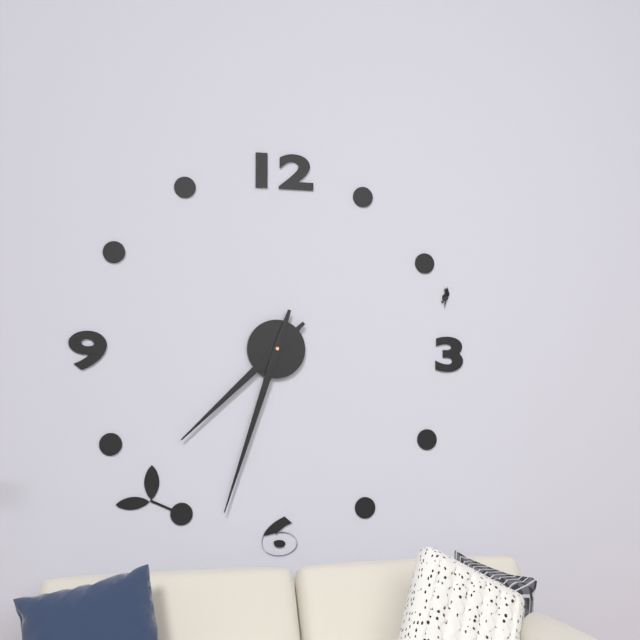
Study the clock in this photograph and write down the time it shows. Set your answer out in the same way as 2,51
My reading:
7,33
